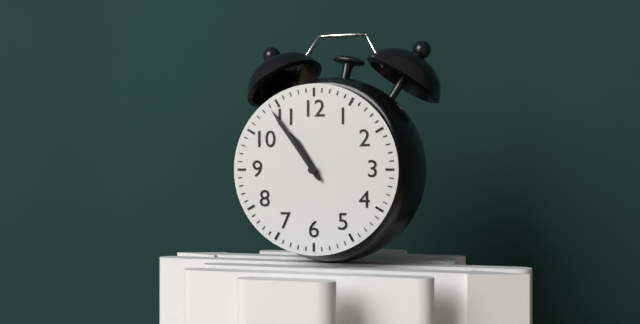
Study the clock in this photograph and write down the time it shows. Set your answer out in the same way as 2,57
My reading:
10,54
